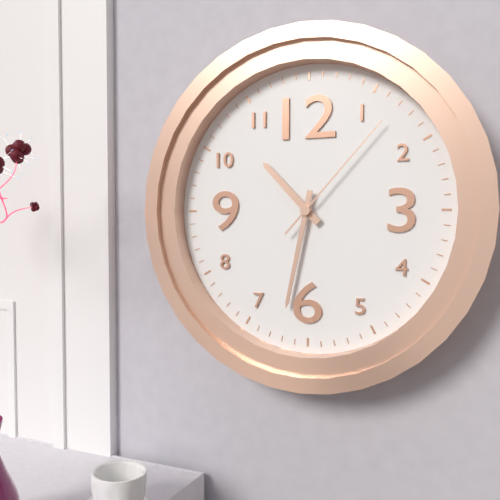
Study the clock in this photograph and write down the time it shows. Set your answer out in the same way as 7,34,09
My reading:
10,32,07
